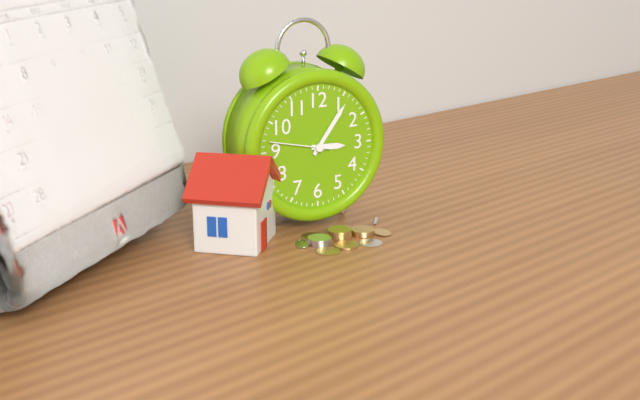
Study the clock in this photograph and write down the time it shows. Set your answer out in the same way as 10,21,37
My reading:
3,06,47
